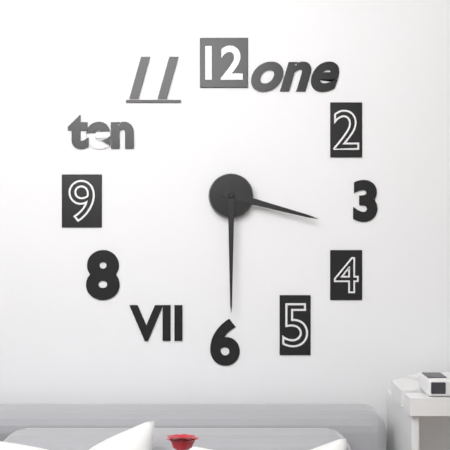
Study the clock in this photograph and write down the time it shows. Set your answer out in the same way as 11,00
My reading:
3,30
